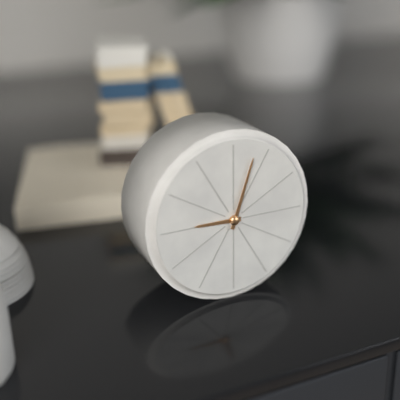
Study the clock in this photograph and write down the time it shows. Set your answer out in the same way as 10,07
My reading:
9,03
